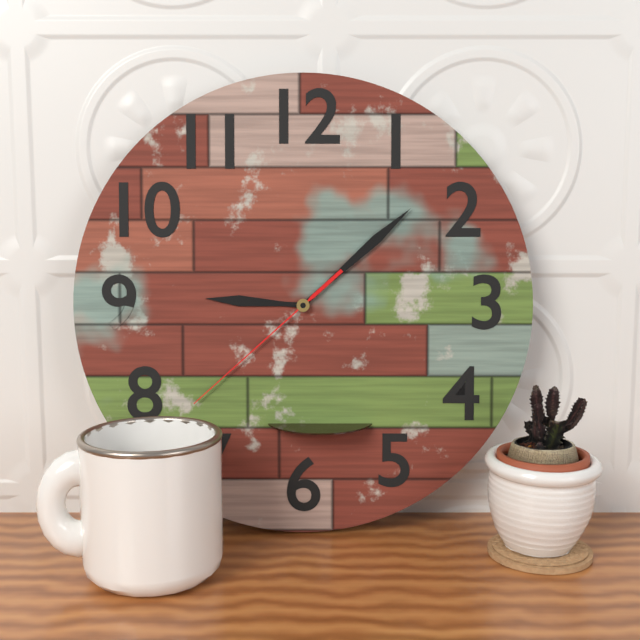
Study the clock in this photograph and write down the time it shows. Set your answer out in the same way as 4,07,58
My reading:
9,08,38
